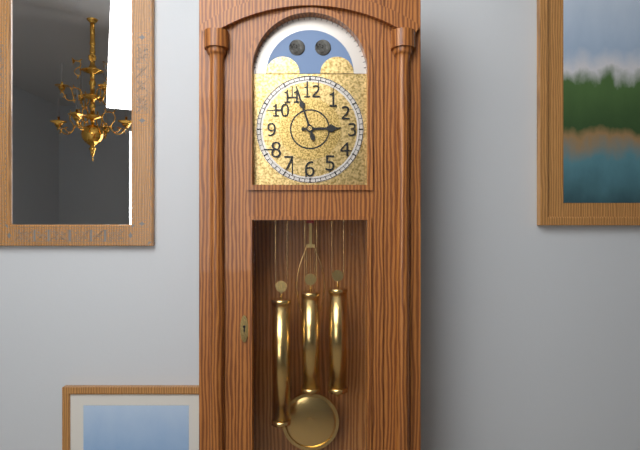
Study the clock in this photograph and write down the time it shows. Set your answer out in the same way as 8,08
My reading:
2,57
